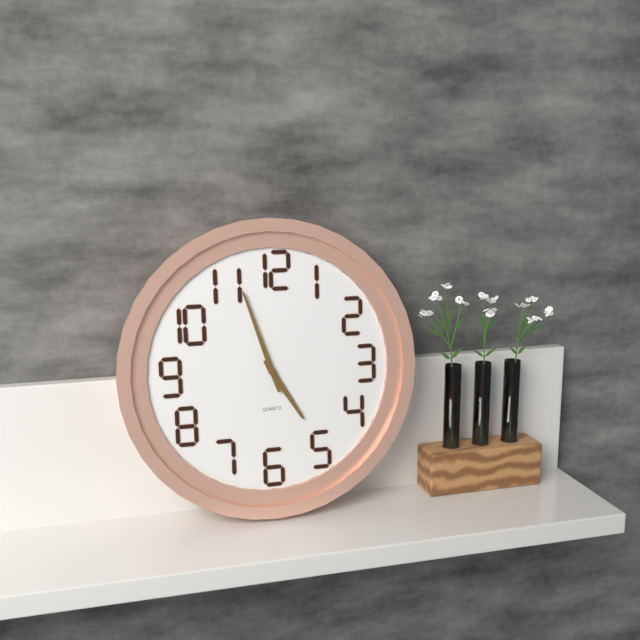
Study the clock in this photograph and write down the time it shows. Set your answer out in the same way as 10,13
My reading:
4,57
